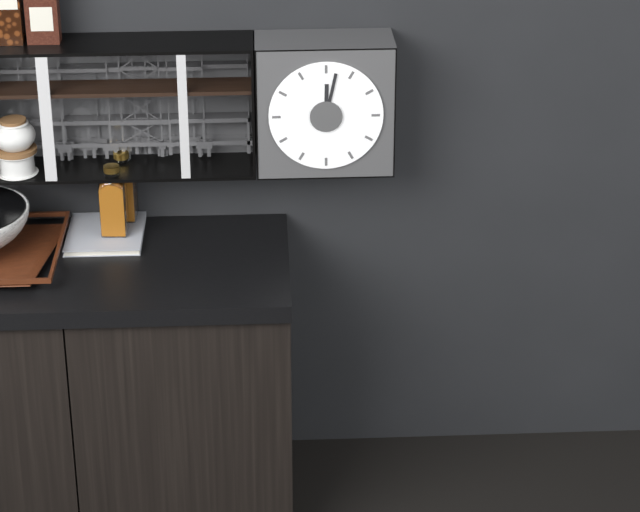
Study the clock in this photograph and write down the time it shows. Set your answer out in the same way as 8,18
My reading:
12,02
